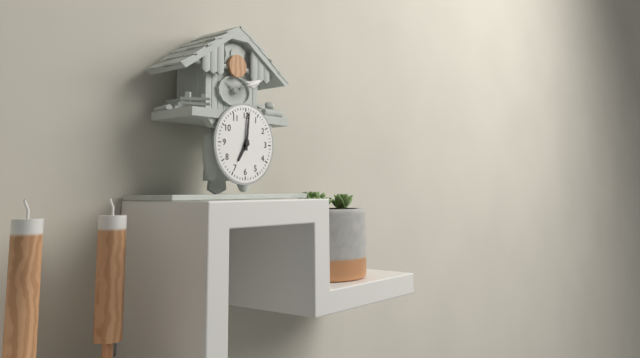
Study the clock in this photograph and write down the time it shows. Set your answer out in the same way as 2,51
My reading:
7,01
